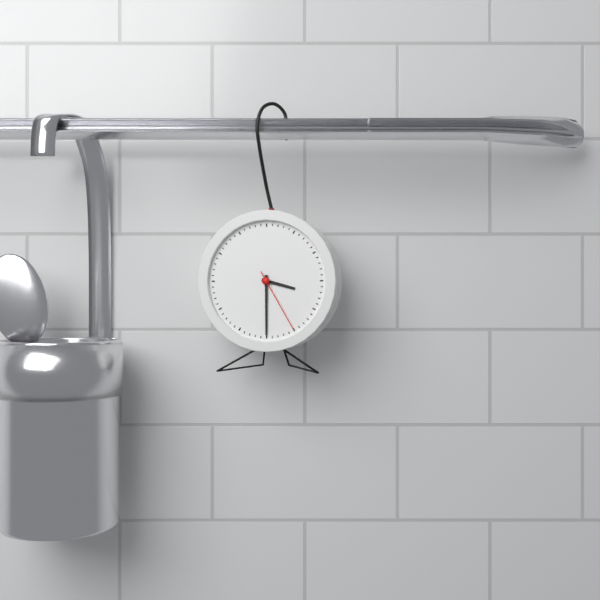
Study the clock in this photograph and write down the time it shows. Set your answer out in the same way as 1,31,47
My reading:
3,30,25
